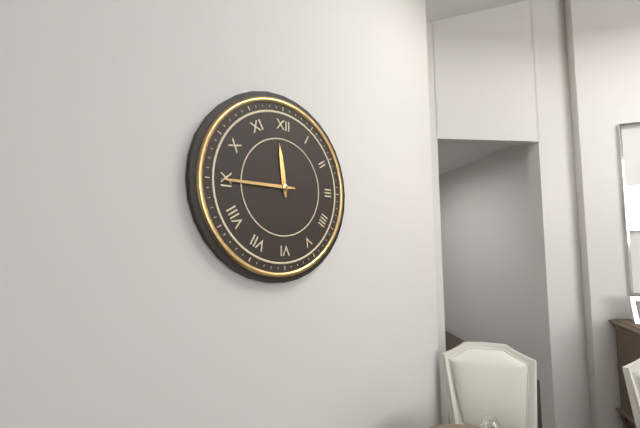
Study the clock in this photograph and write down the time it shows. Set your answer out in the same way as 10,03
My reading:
11,45
